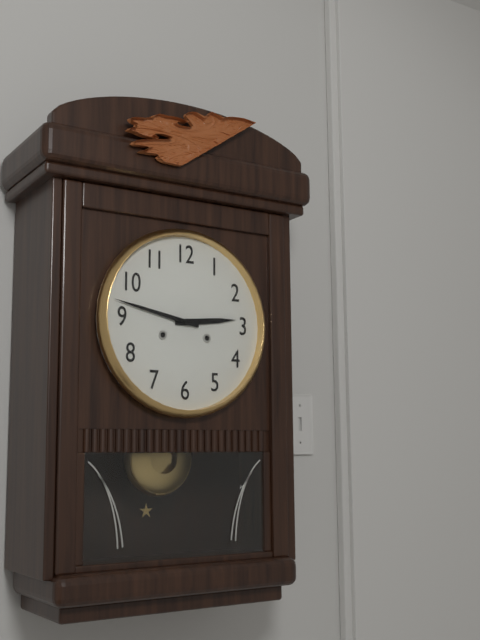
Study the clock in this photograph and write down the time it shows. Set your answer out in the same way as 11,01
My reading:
2,47
